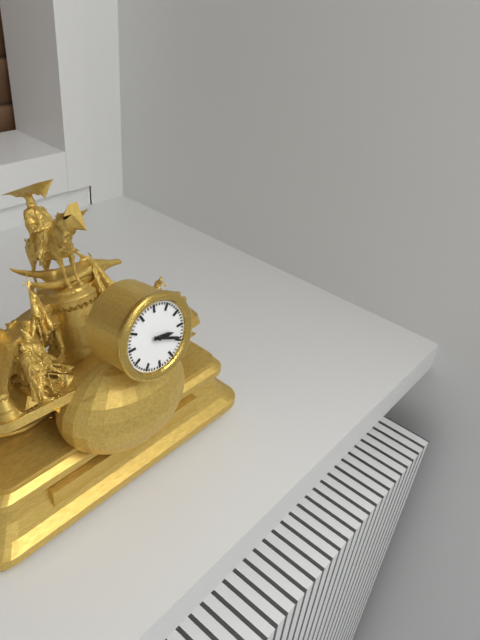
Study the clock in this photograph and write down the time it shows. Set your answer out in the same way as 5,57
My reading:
3,19
